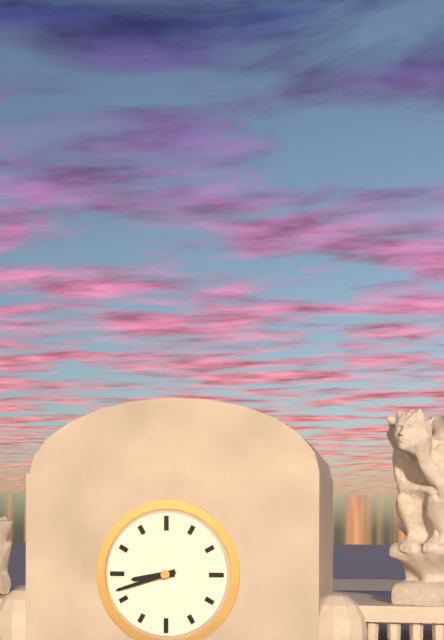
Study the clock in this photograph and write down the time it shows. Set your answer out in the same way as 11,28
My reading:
8,42
